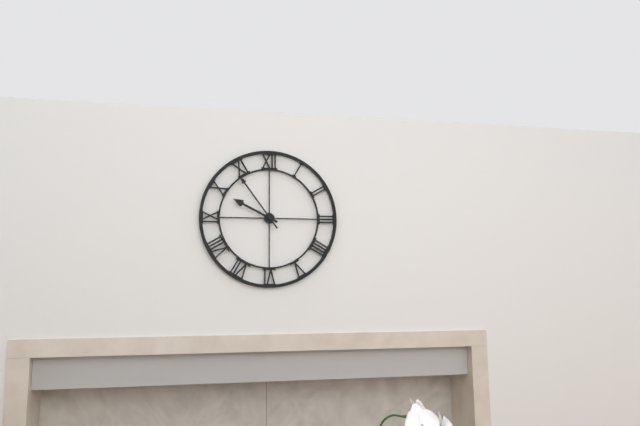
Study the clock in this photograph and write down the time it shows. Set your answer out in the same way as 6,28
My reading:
9,54
